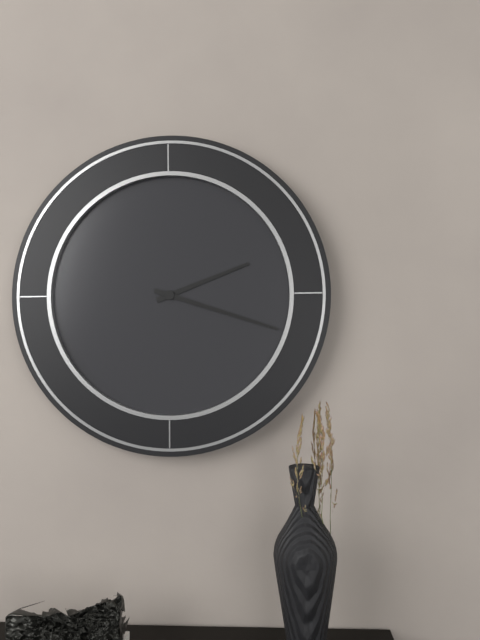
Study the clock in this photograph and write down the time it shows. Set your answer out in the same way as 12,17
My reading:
2,18
